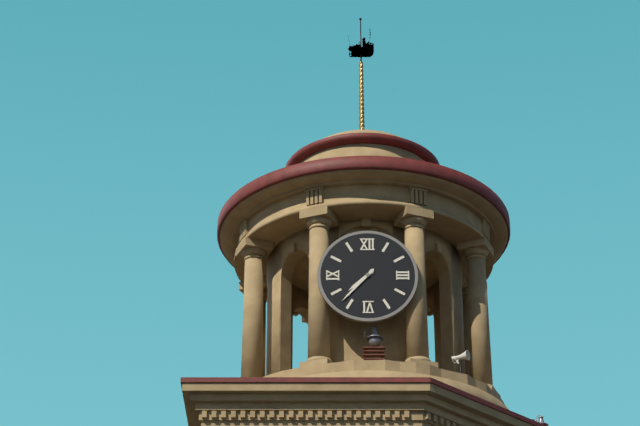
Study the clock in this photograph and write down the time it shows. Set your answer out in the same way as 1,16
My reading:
7,37
